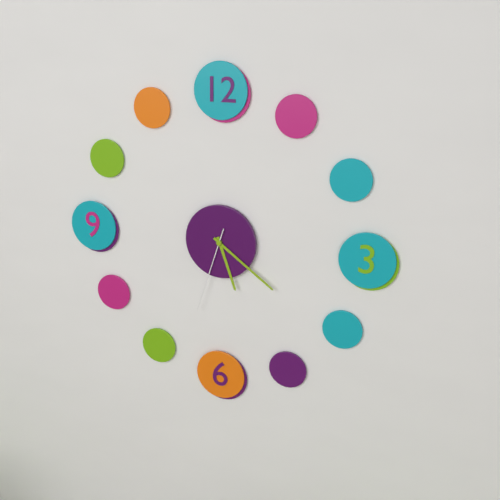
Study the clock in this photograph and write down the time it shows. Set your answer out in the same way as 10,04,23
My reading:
5,21,33
